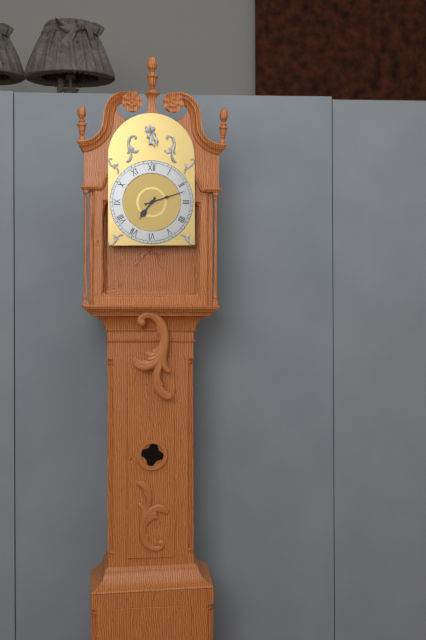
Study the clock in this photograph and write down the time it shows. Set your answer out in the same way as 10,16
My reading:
7,12
